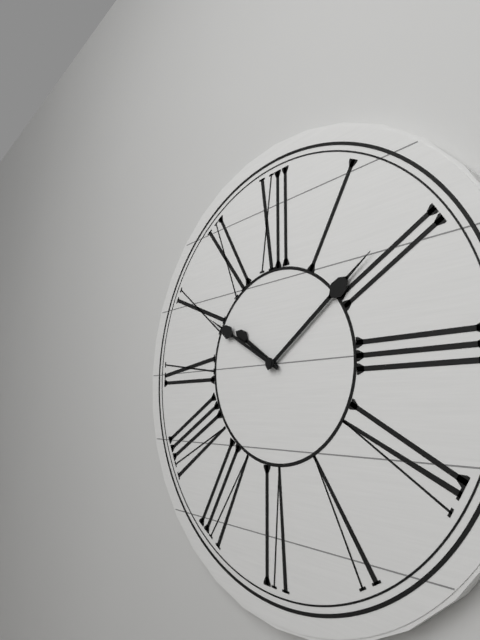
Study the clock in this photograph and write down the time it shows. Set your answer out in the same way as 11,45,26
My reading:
10,09,50
